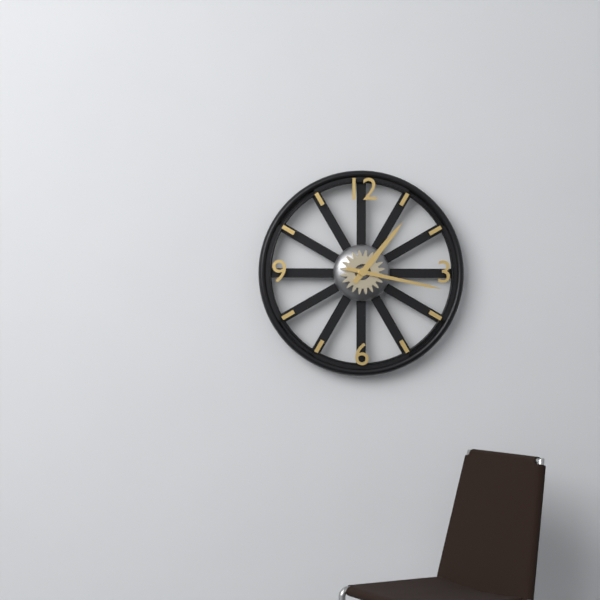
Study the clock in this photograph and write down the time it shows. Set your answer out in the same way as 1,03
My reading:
1,17
